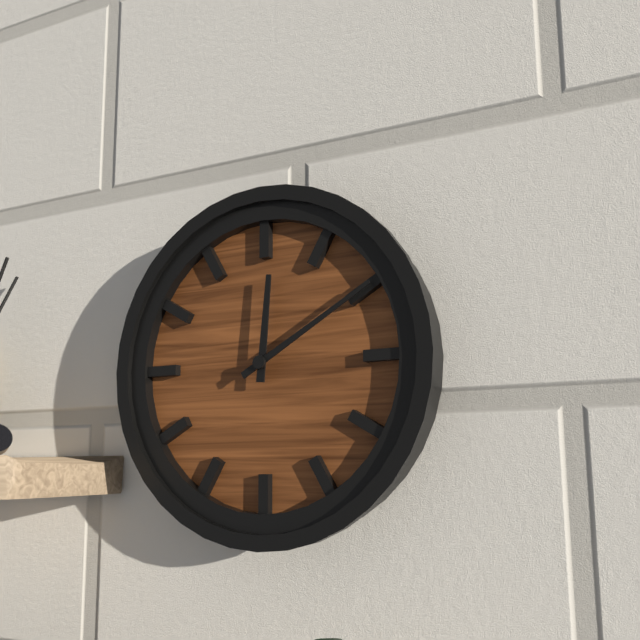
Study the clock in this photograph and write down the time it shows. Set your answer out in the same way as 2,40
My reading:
12,10
